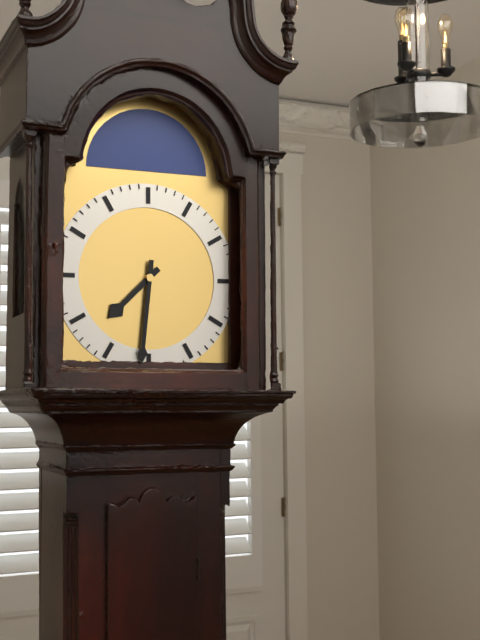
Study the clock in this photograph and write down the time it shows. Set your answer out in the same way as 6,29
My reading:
7,31
